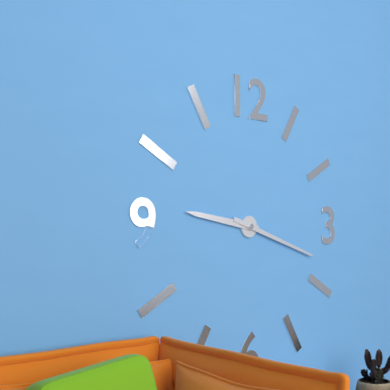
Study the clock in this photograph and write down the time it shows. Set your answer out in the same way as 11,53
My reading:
9,18
